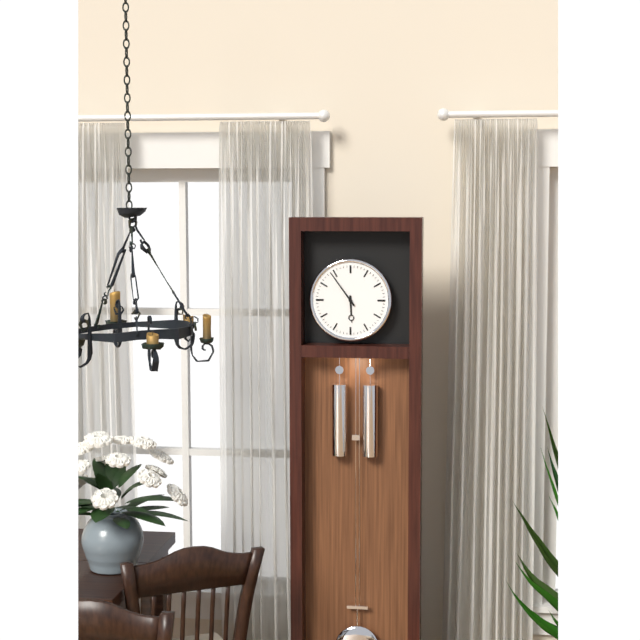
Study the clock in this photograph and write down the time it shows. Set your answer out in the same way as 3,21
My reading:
5,54
